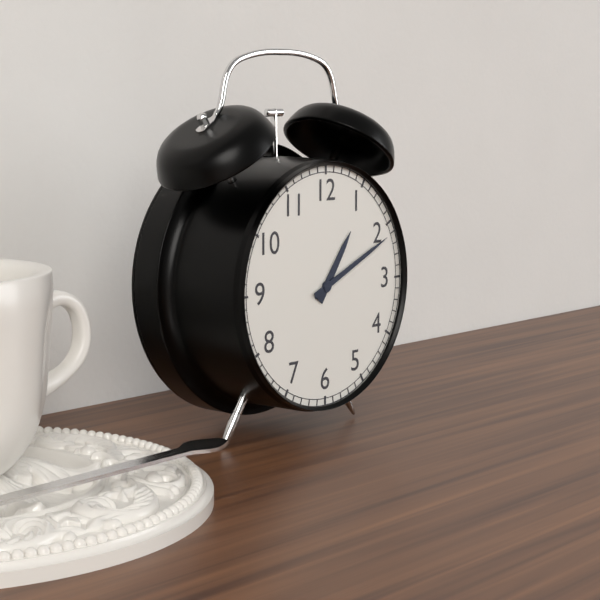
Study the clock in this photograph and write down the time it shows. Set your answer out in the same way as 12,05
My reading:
1,11
